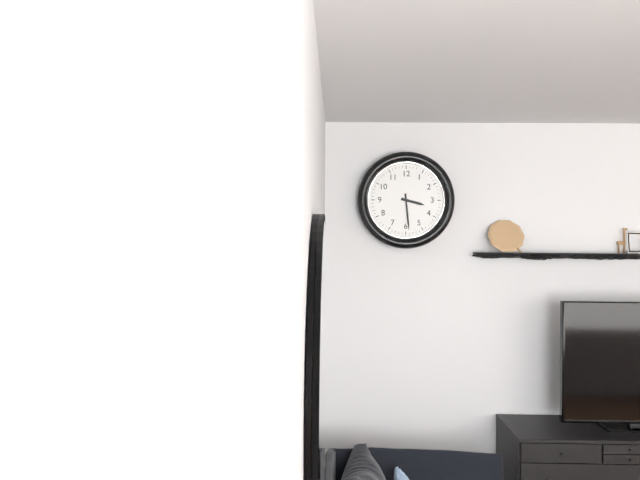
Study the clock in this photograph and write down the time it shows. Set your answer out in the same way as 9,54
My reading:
3,29
